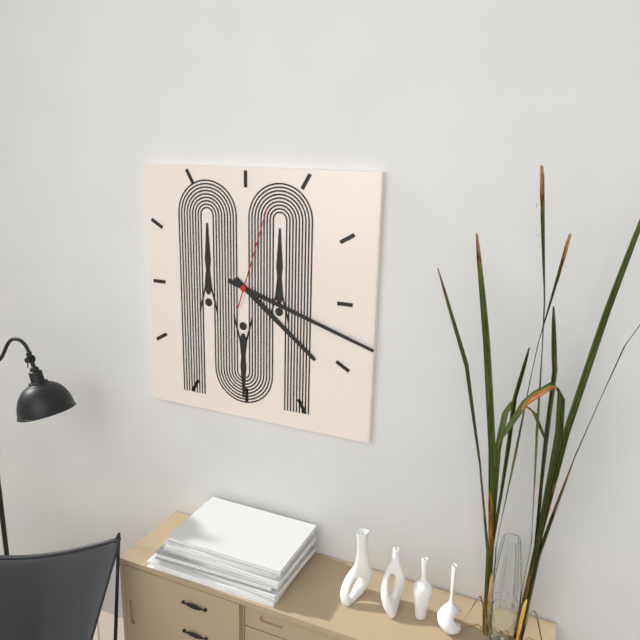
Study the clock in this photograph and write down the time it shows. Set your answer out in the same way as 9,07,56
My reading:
4,18,03
